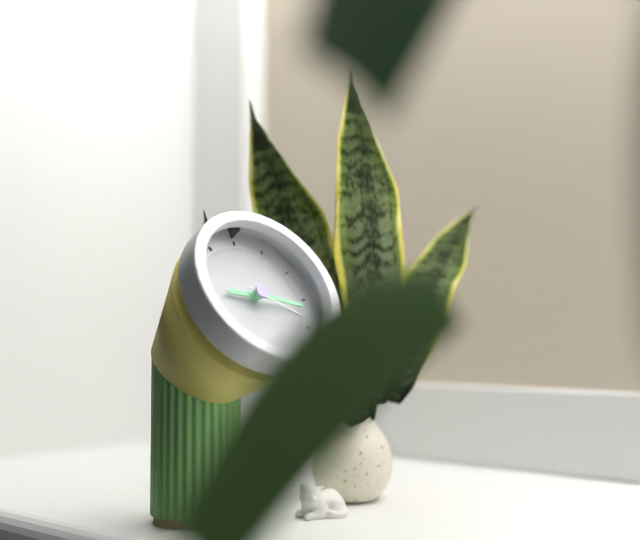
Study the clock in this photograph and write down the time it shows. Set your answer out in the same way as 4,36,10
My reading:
9,17,20
